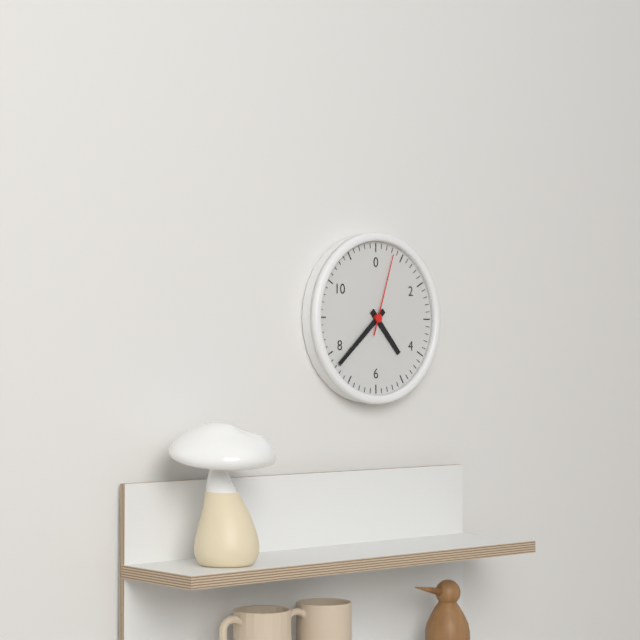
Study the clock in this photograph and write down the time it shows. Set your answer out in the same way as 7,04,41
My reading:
4,38,03
